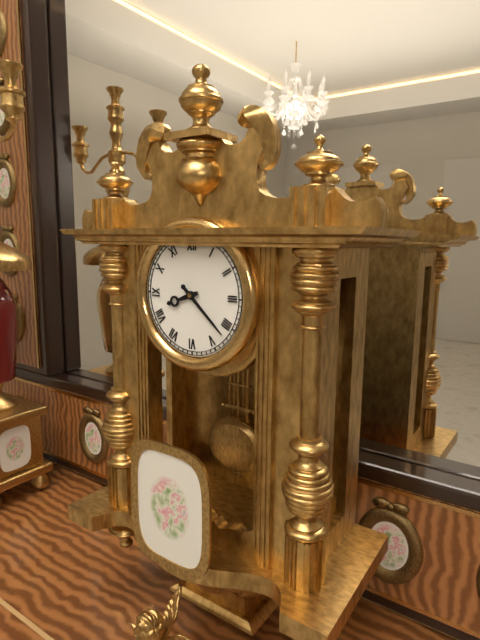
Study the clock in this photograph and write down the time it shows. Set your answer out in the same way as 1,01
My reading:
8,22
